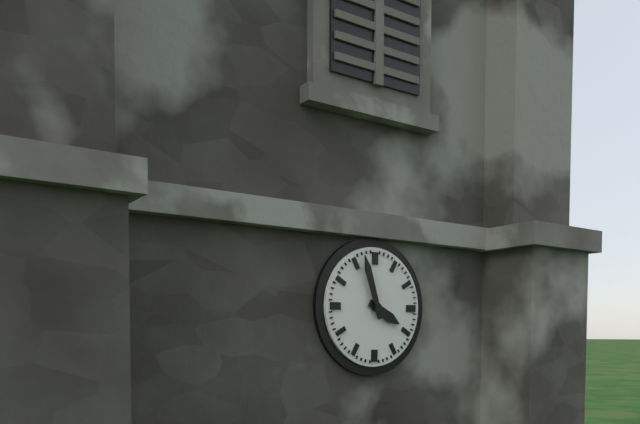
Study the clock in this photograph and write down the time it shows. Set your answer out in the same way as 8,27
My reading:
3,57
